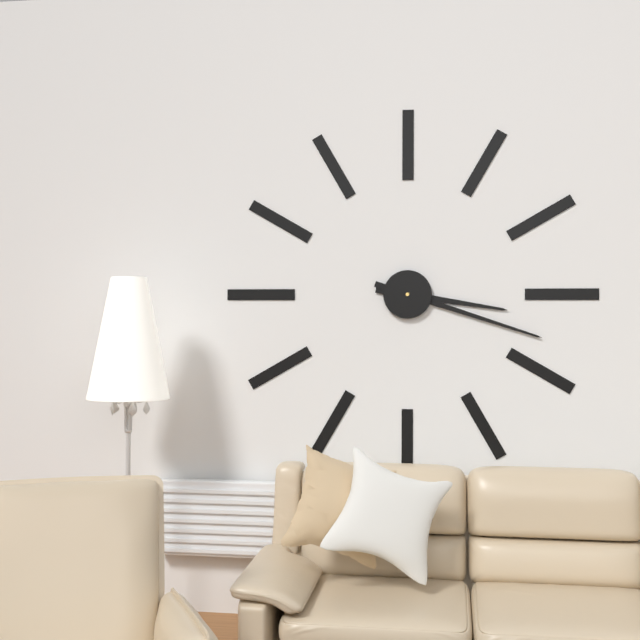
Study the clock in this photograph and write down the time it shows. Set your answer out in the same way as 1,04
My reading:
3,18
